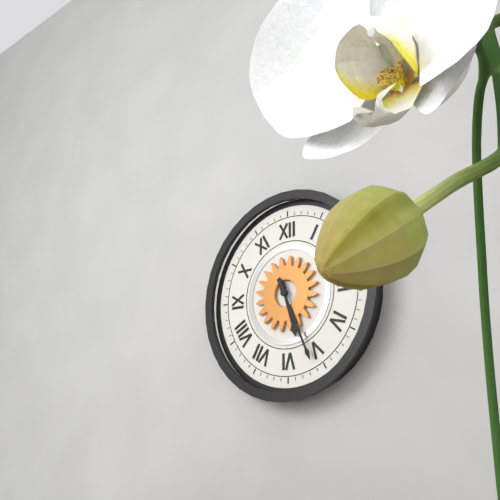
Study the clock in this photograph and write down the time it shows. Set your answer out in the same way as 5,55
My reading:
5,26
